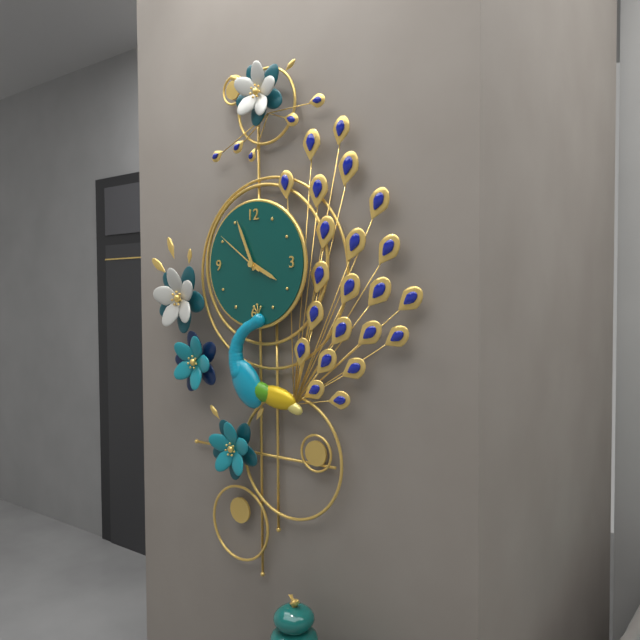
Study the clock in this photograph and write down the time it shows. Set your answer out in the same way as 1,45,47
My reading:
3,56,51
